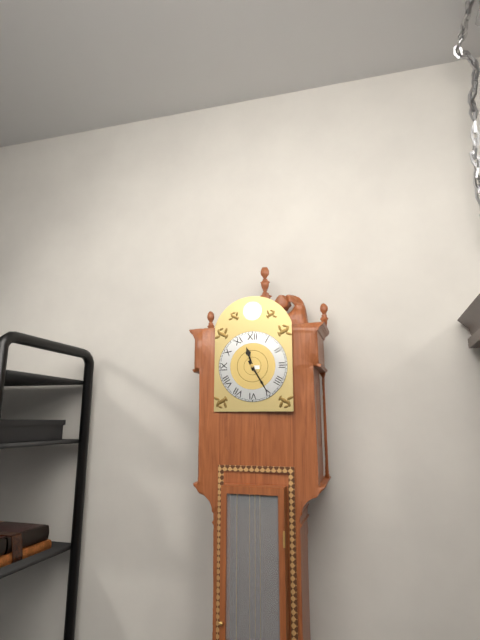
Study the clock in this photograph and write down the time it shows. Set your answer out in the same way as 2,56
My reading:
11,25
